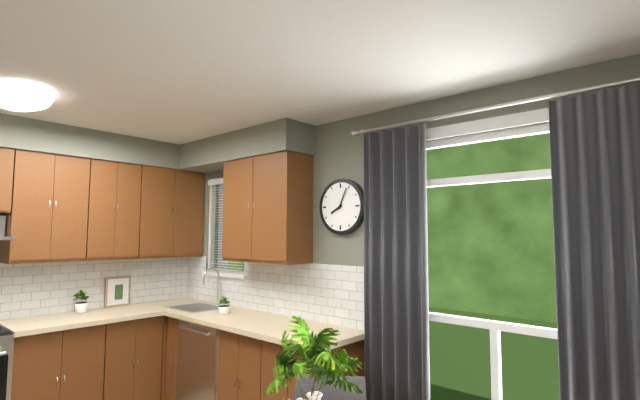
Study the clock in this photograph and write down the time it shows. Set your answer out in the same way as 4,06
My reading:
8,04
